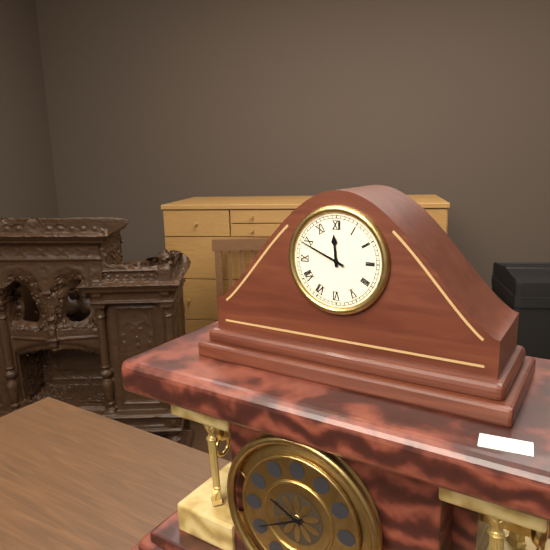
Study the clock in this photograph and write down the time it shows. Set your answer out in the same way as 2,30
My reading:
11,49
